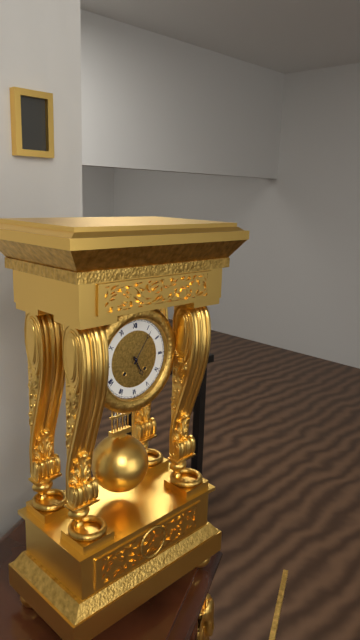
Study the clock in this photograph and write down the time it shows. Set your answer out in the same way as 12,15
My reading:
5,06
